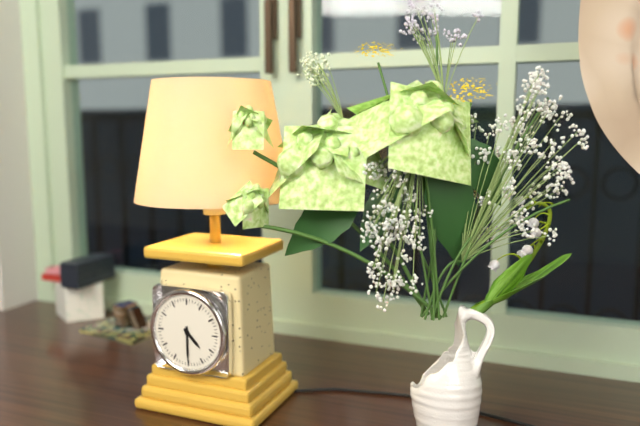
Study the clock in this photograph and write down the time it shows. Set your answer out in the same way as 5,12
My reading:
4,30
